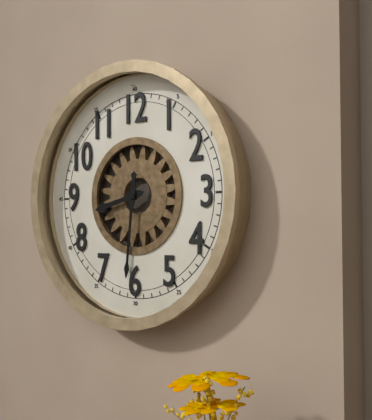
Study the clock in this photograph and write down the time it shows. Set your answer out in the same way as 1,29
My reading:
8,31
